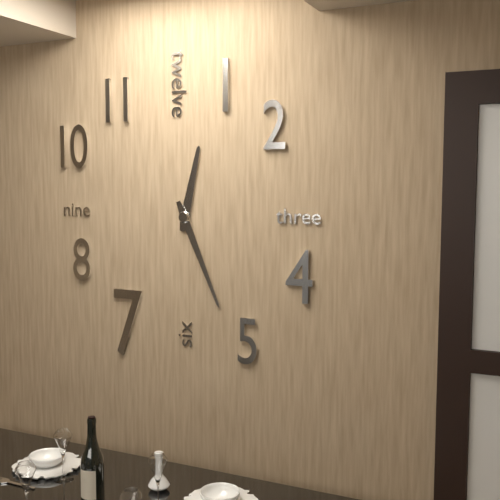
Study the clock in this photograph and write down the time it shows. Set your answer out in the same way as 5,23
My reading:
12,26
